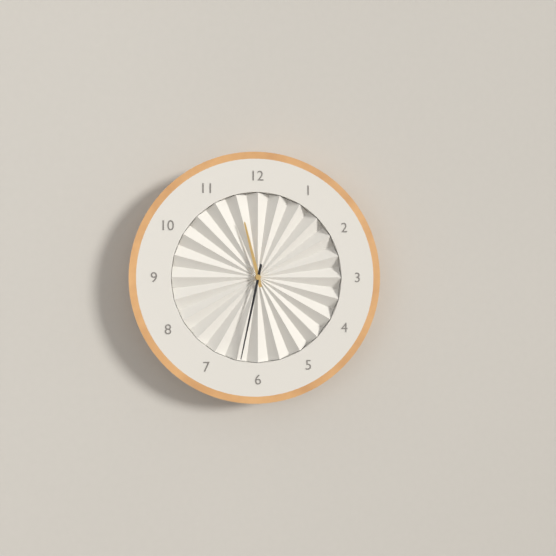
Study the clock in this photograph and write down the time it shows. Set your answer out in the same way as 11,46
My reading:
11,32
